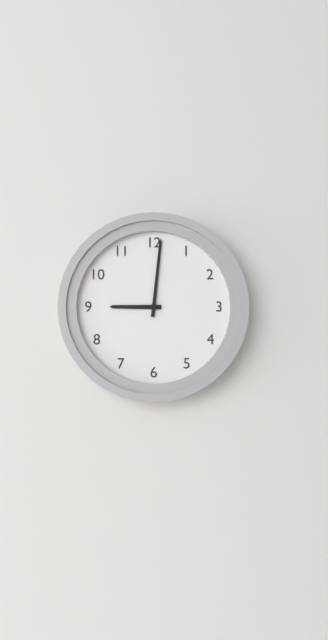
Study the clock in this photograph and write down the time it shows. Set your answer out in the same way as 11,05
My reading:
9,01
